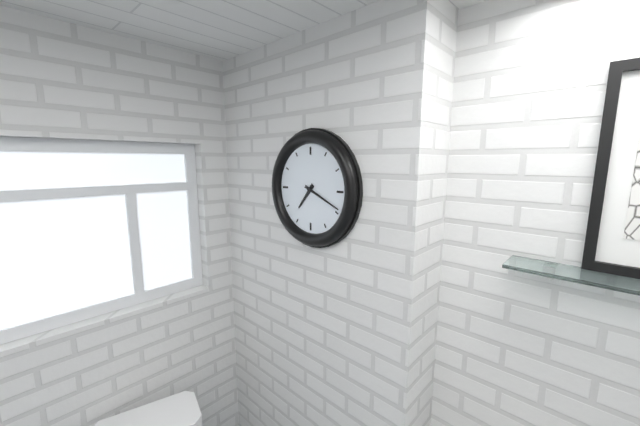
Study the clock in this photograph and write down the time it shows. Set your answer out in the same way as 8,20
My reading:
7,19
